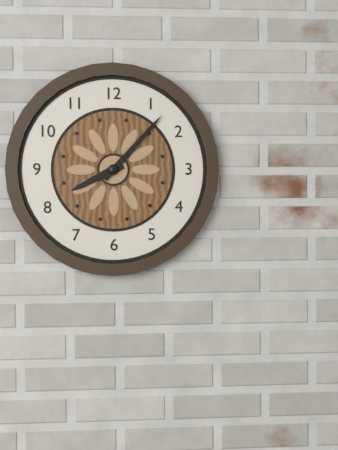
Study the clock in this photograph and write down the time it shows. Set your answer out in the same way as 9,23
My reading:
8,07
